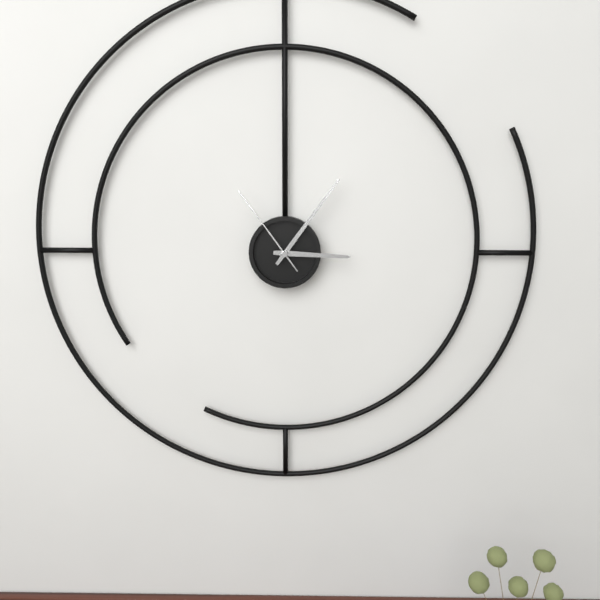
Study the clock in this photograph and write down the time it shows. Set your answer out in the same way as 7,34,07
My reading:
3,06,54
